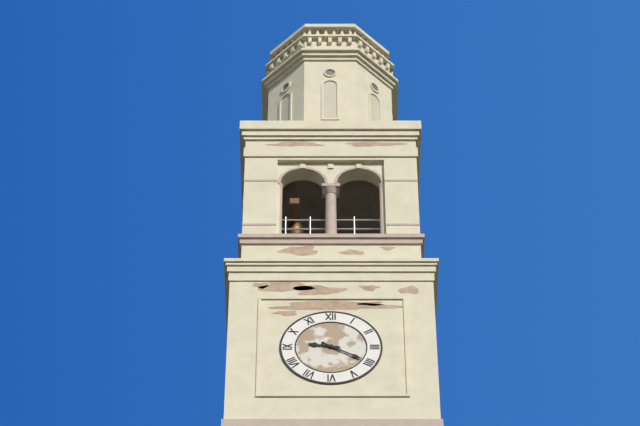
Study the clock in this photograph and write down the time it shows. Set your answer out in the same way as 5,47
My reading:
9,20
